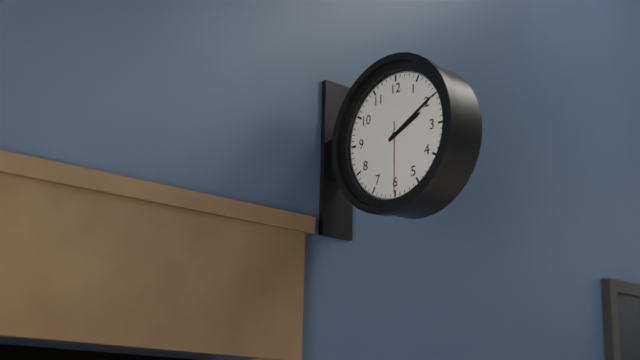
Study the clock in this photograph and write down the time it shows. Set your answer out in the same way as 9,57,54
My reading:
2,10,30
